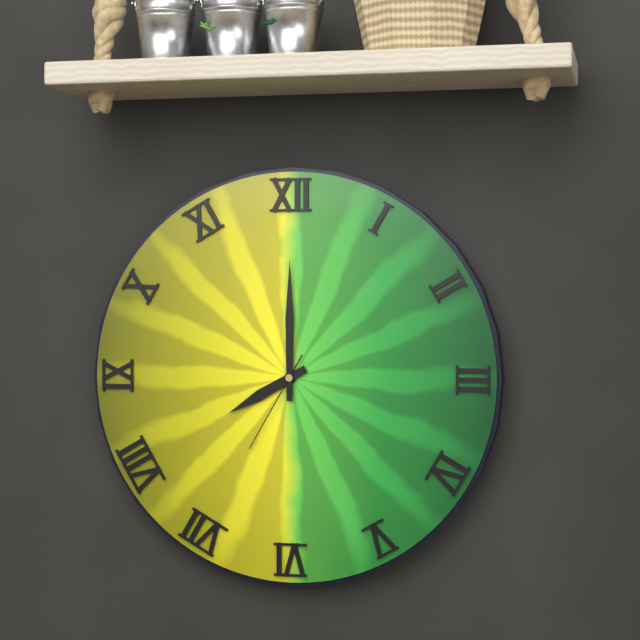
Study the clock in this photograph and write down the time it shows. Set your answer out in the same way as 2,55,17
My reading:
8,00,35
